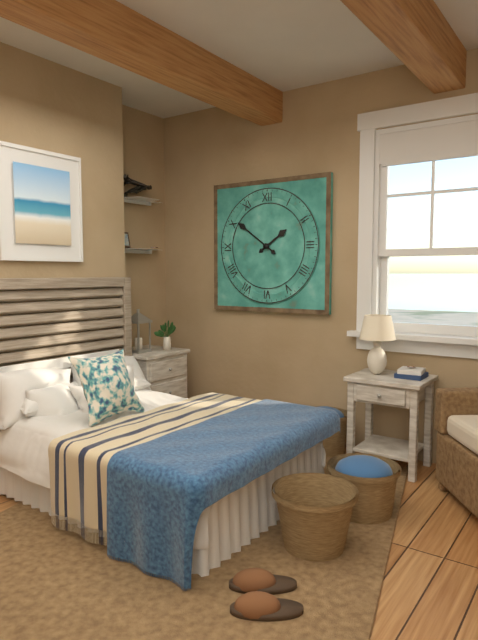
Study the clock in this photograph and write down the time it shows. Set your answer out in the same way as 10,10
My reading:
1,51
